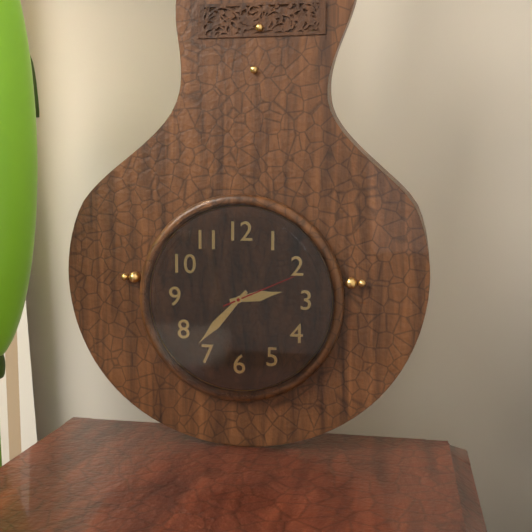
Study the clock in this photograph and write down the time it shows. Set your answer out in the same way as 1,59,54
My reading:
2,37,11
